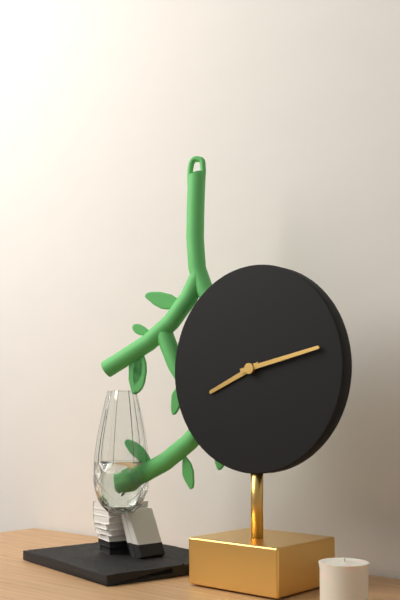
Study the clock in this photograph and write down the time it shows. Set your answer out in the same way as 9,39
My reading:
8,13
